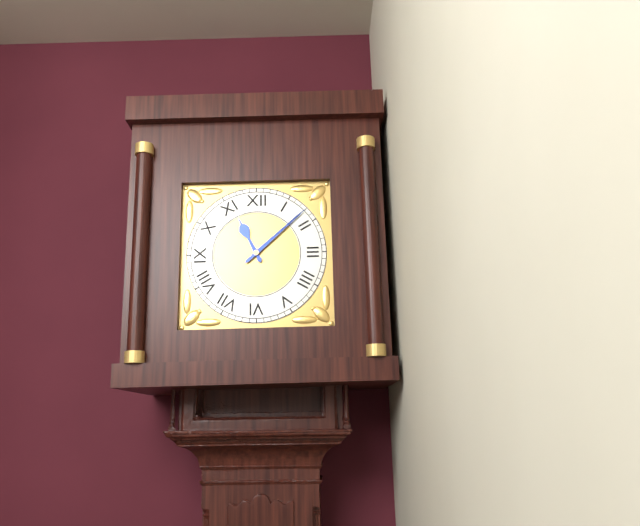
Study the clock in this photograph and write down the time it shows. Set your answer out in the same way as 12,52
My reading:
11,08
